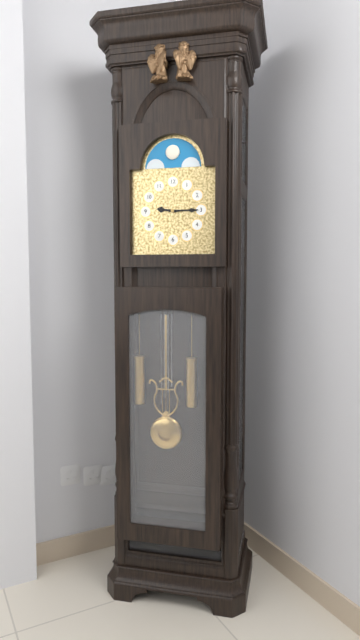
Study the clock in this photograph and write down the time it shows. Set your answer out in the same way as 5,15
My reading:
9,15
